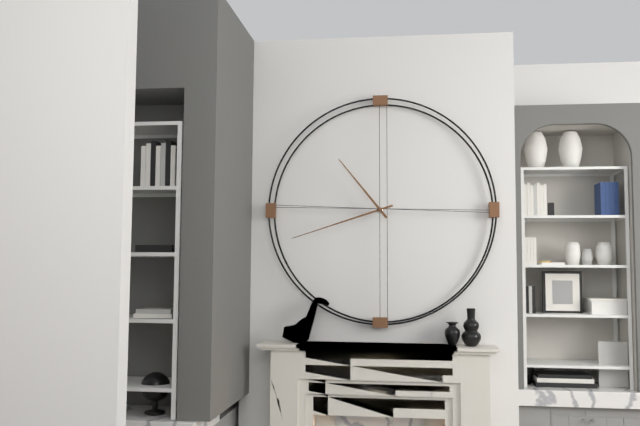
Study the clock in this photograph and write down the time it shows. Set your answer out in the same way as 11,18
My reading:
10,42
